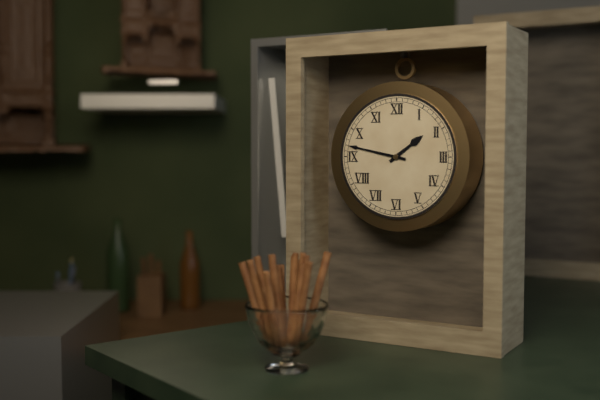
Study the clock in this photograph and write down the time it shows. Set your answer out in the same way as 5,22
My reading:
1,47
